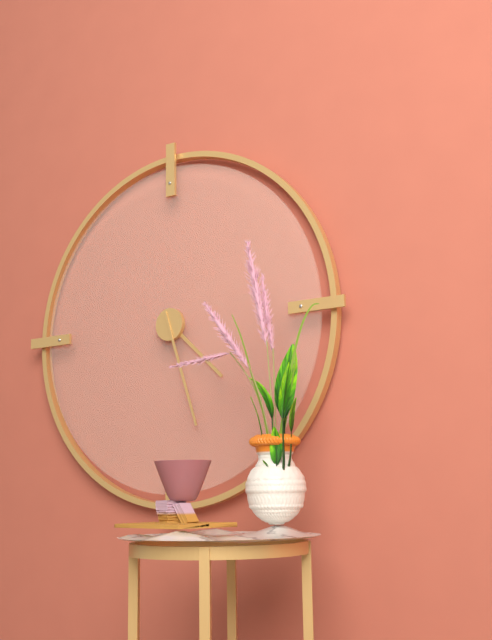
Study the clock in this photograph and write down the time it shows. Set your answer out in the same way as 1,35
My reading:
4,27
